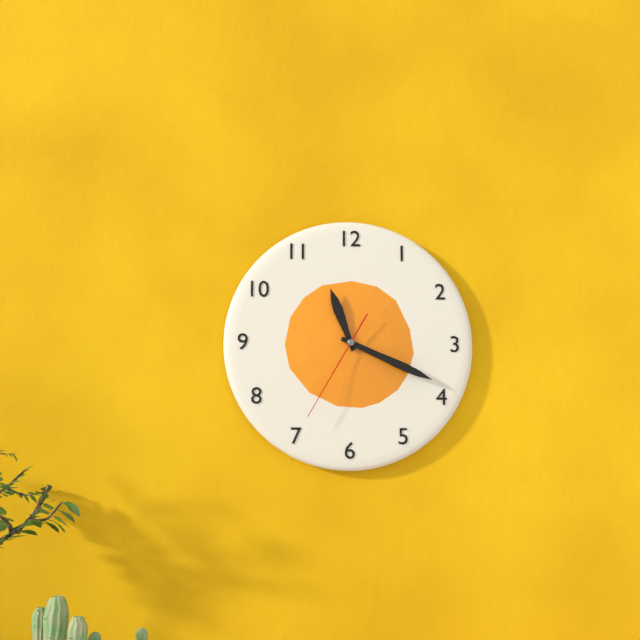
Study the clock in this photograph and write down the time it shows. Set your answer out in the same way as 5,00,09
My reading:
11,19,35
